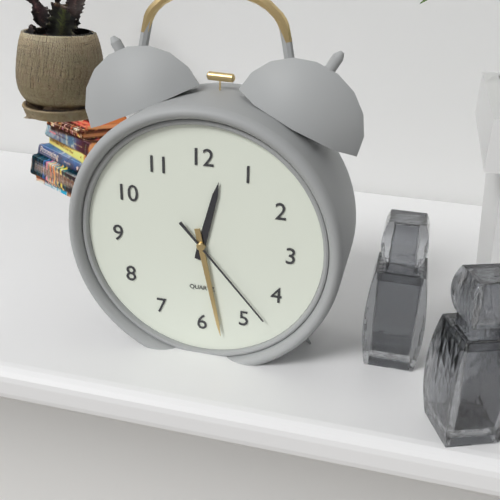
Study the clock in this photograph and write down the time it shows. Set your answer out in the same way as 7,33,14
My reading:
12,28,23
